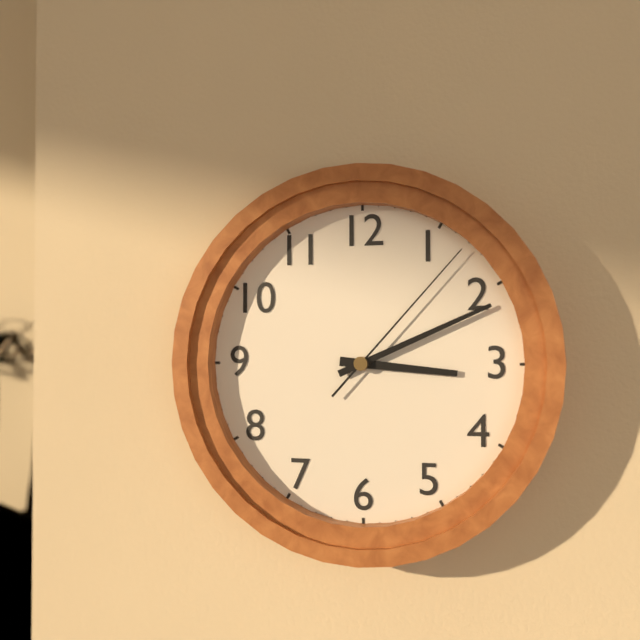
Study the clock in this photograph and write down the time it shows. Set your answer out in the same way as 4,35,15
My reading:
3,11,07
